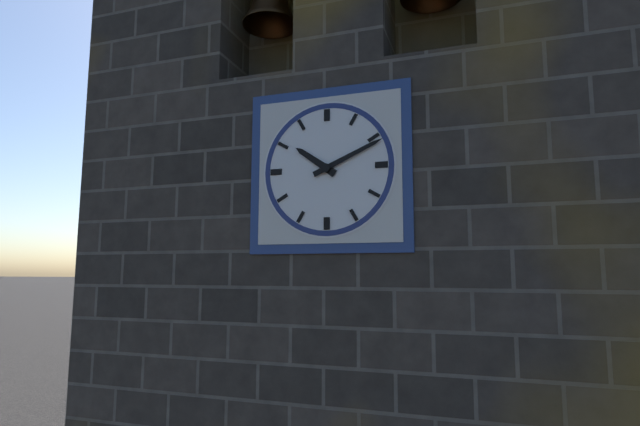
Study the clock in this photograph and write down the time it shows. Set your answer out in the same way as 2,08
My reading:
10,11
